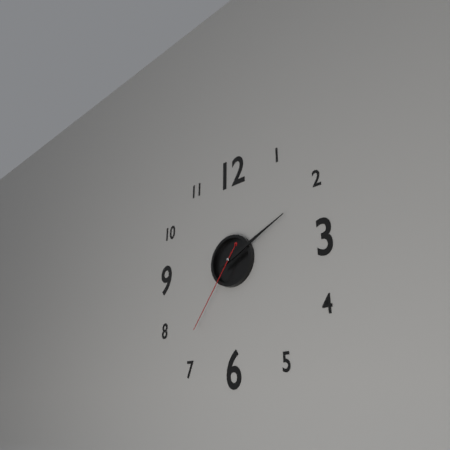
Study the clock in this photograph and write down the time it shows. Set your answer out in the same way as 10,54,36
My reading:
2,11,36
